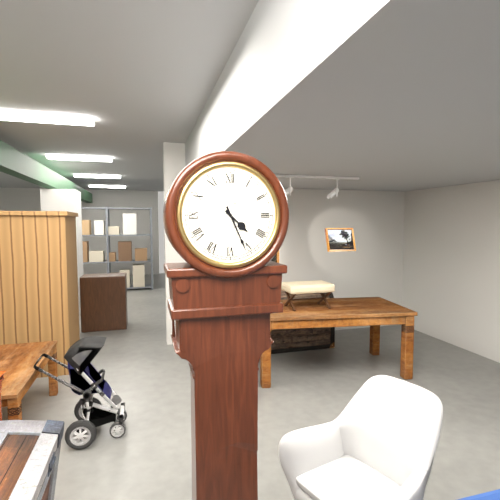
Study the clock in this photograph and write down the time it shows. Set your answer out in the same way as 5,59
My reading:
4,26
